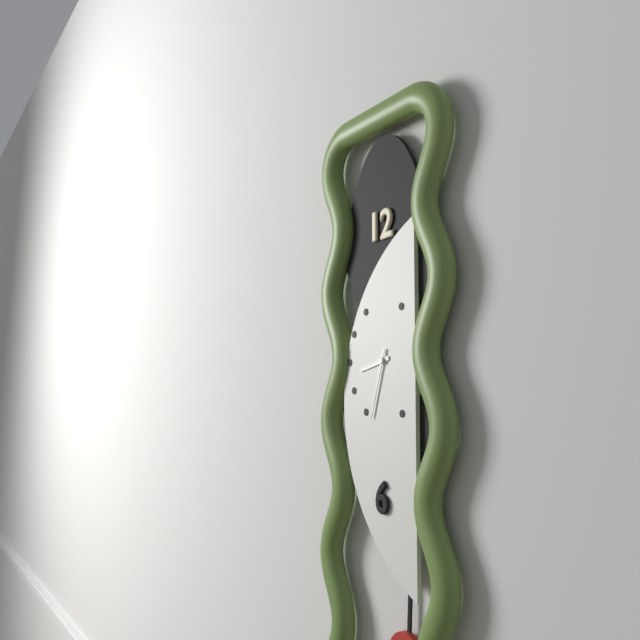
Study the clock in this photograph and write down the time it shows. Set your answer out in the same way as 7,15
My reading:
8,33
